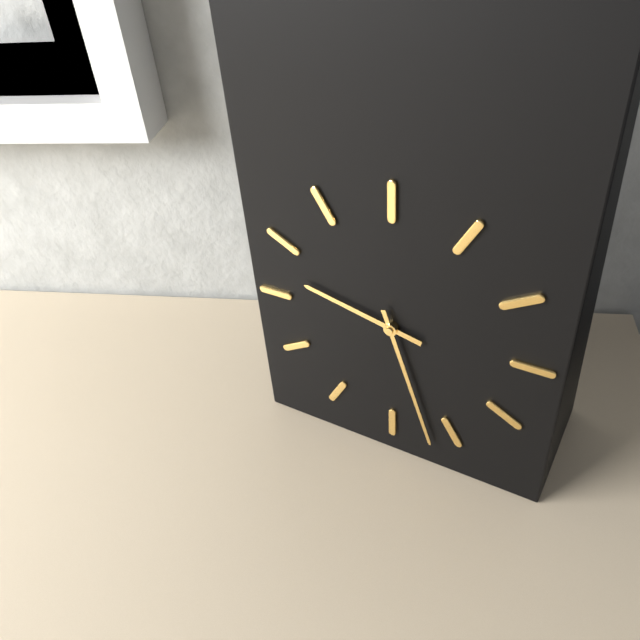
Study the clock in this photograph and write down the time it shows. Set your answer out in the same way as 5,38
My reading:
9,27
